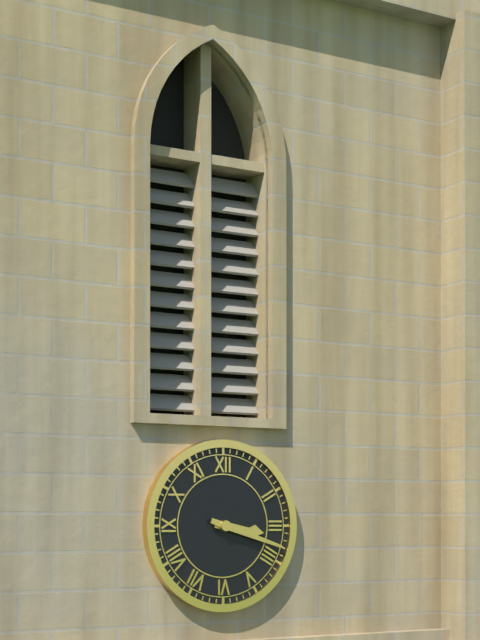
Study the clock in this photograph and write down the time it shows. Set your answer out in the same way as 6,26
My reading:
3,18
